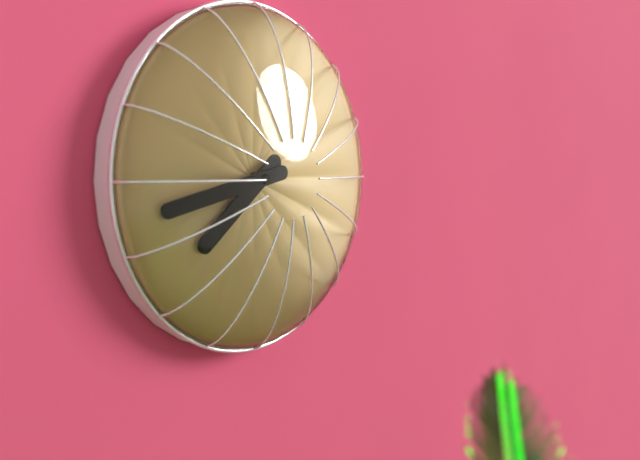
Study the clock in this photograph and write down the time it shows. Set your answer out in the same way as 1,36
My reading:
7,43
